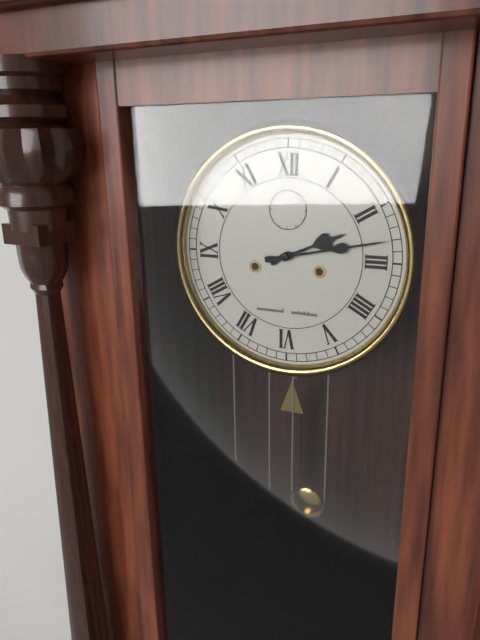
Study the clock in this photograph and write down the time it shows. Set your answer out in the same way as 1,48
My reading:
2,13
